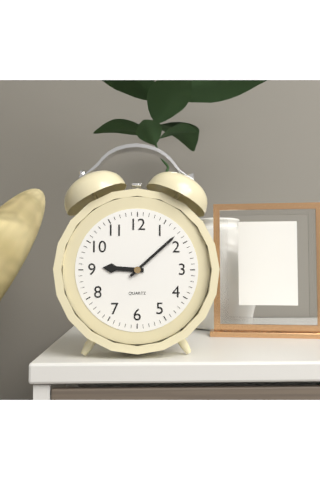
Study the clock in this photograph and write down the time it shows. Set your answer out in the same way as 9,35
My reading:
9,08
